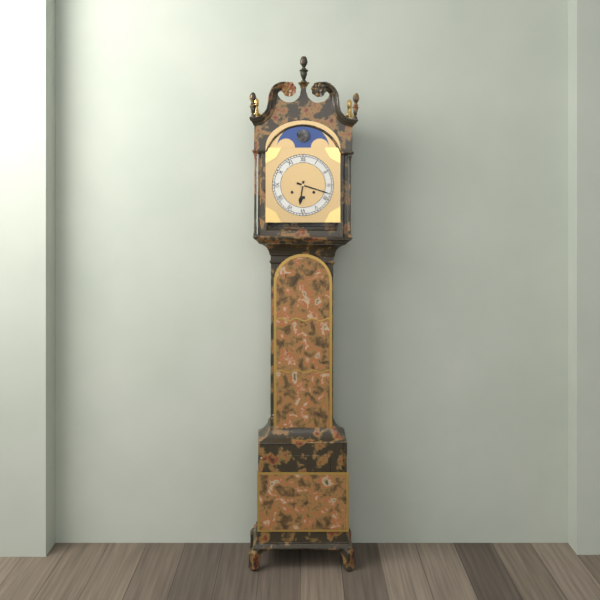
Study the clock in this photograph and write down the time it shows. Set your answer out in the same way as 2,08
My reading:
6,18
